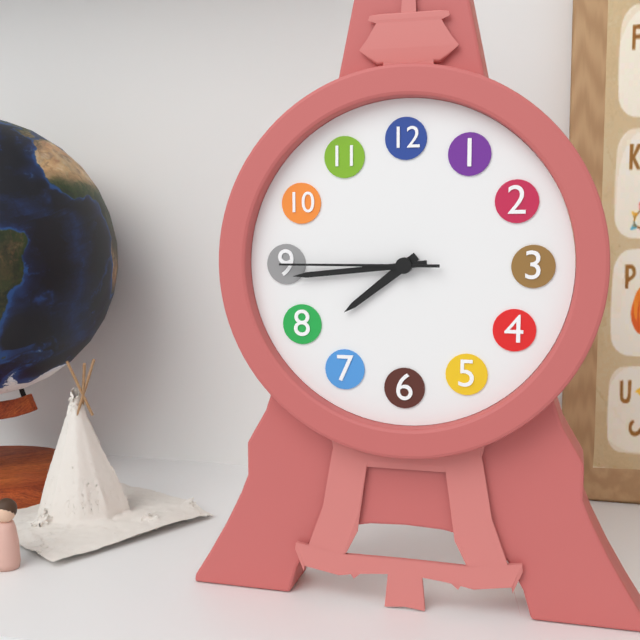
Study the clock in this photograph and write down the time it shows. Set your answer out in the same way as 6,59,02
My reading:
7,44,45
